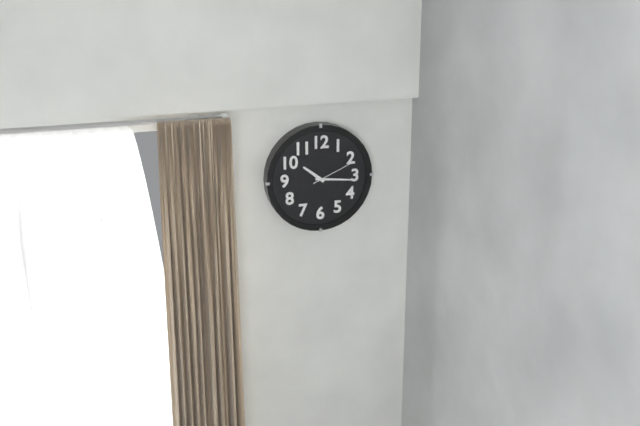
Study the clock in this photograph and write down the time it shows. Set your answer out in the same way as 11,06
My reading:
10,16
